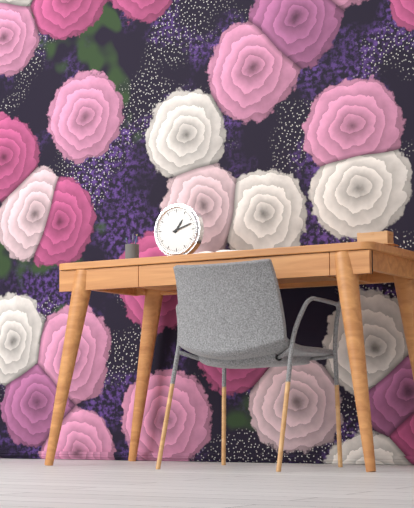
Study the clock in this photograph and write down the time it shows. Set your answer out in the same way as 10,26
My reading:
1,12
